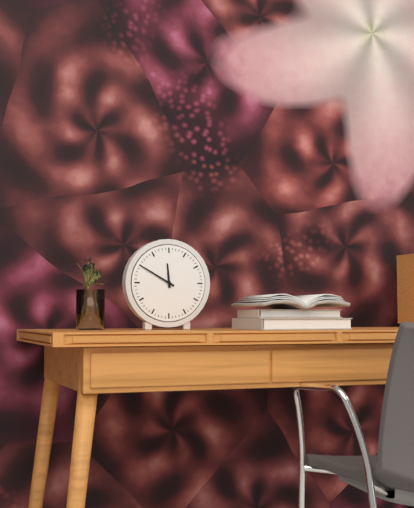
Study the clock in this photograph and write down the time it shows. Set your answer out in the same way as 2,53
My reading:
11,50
